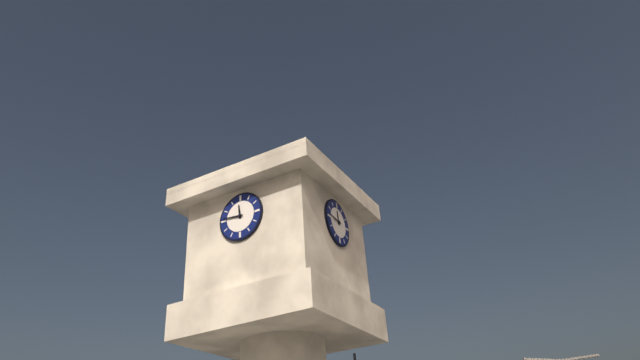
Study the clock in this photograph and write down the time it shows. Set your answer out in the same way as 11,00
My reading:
11,46
